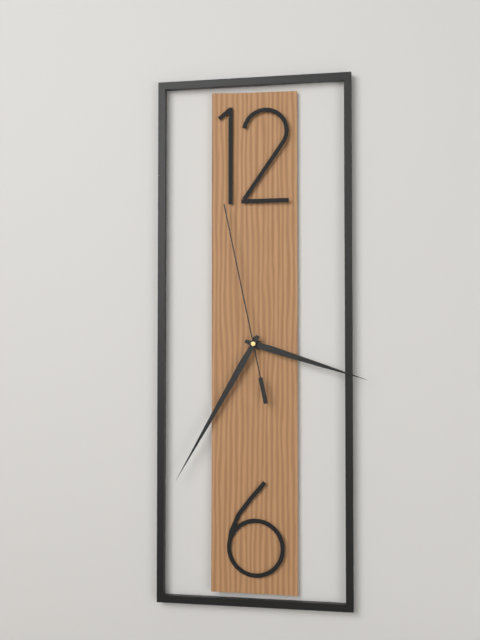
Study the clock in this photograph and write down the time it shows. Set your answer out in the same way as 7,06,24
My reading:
3,35,58
